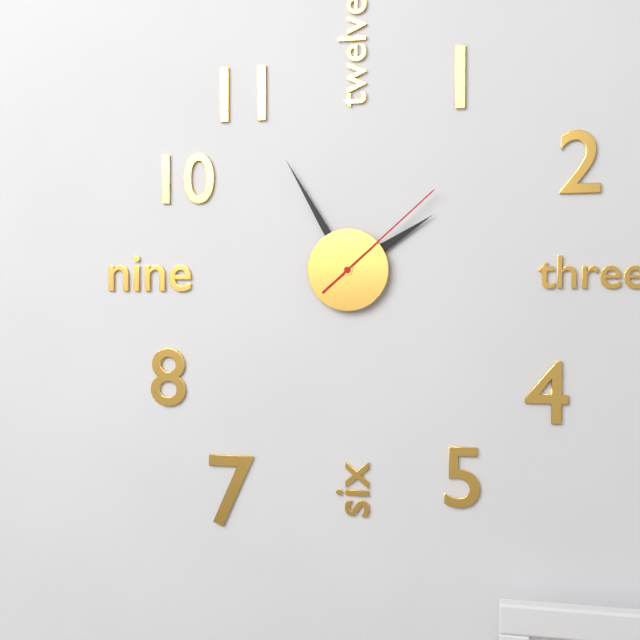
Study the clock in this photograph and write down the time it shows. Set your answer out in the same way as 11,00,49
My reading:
1,55,08
